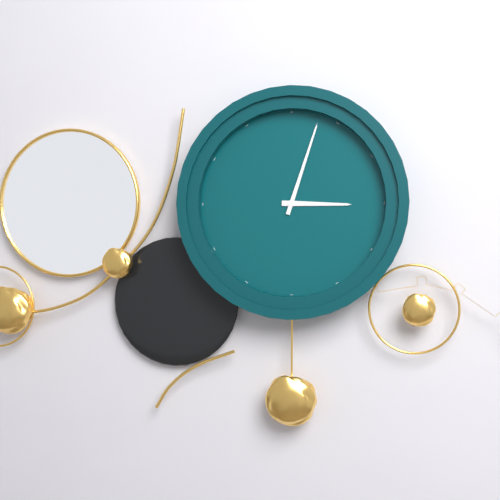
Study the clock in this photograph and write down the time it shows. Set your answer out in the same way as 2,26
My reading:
3,03
